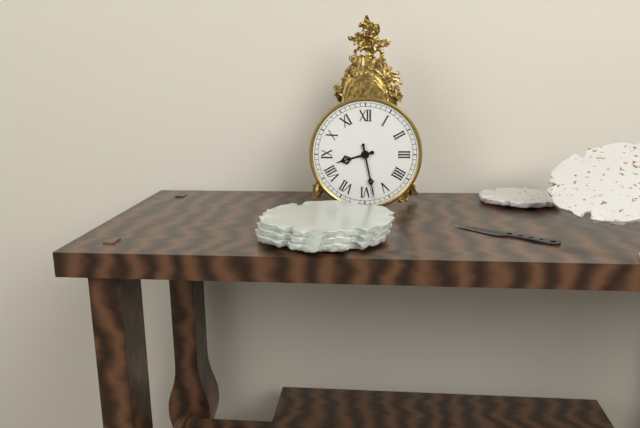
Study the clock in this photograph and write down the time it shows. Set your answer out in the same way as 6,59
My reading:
8,28
